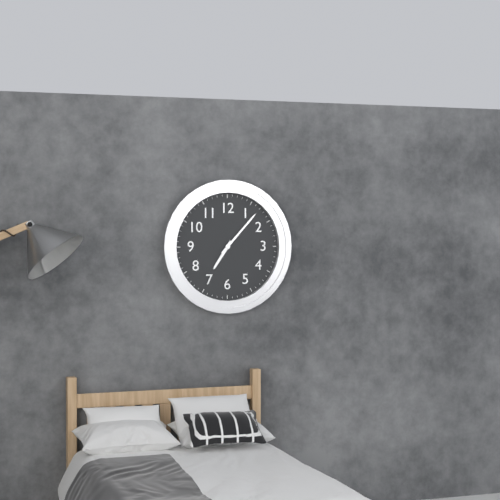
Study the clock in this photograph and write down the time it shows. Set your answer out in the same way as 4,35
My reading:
7,07
